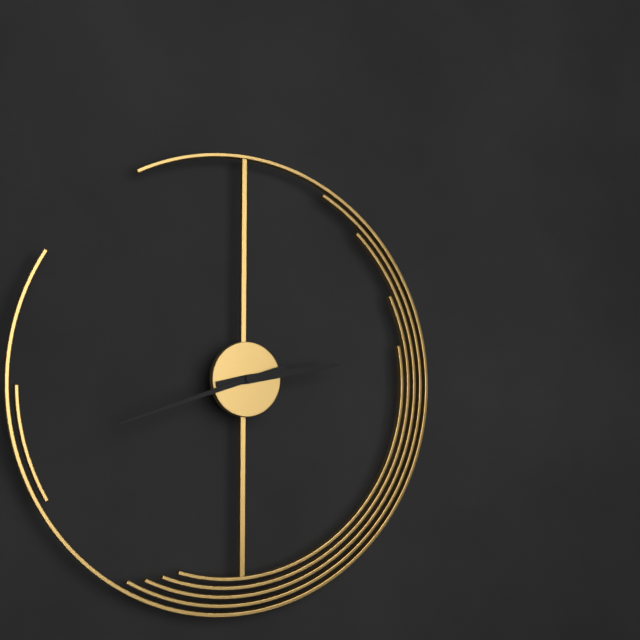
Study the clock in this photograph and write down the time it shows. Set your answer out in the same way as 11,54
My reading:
2,42
